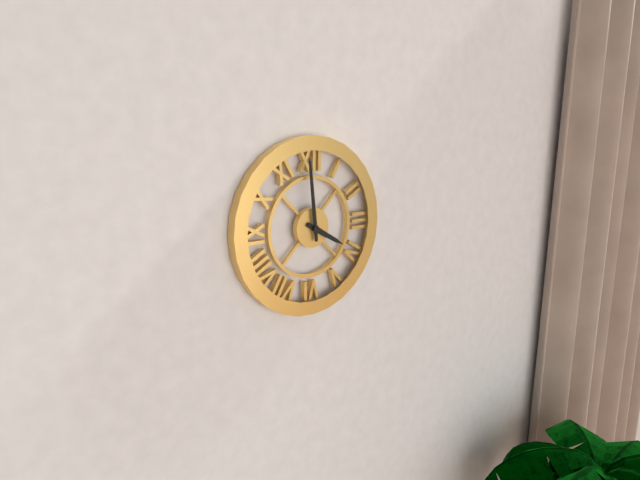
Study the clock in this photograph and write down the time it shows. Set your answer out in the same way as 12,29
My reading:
3,59
